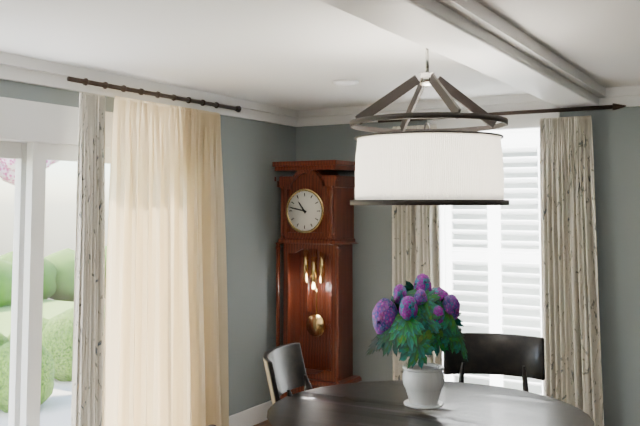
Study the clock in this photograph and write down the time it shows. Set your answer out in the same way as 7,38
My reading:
10,47
